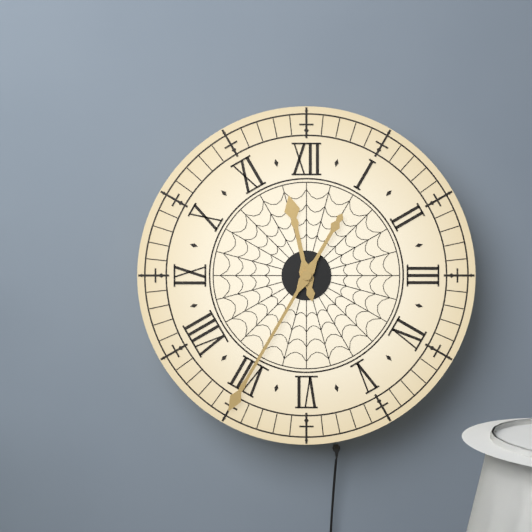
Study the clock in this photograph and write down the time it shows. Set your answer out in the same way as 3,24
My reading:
11,35
